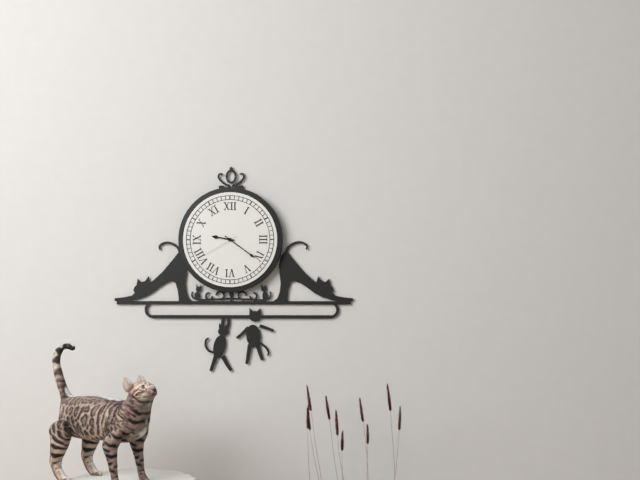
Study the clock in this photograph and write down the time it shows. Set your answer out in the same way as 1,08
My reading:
9,21
